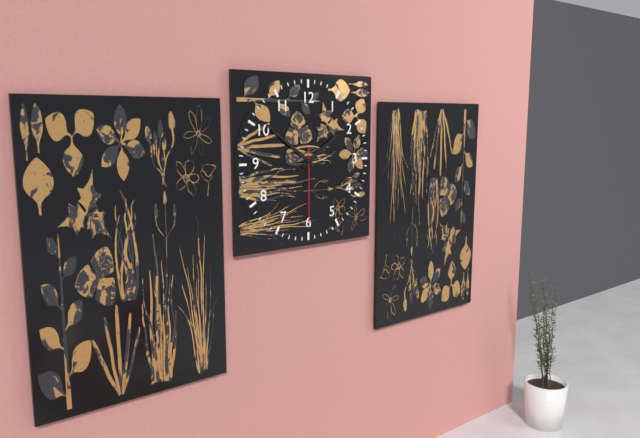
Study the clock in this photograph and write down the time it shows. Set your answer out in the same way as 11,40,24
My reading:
1,51,30
